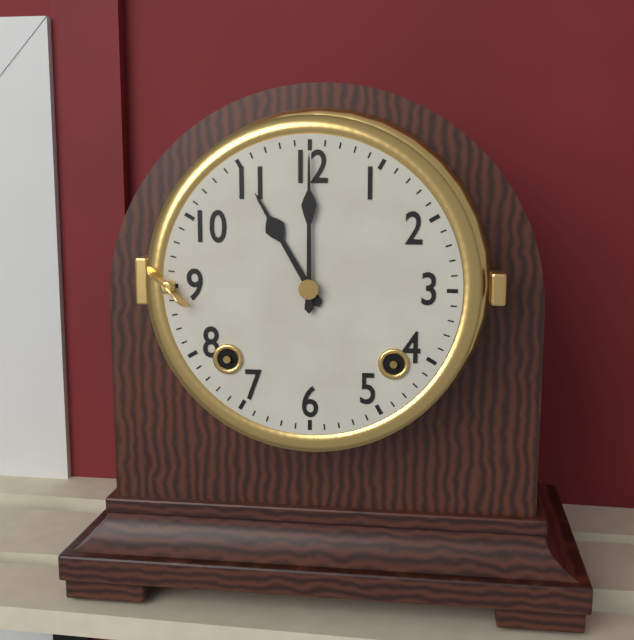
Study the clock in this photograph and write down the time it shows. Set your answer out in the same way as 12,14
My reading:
11,00
